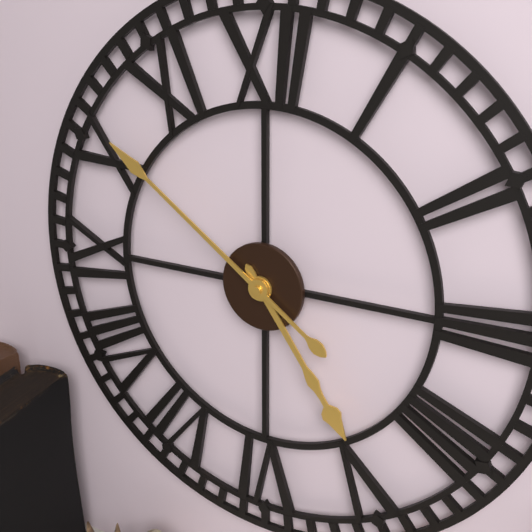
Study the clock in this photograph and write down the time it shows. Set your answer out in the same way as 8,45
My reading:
4,51
